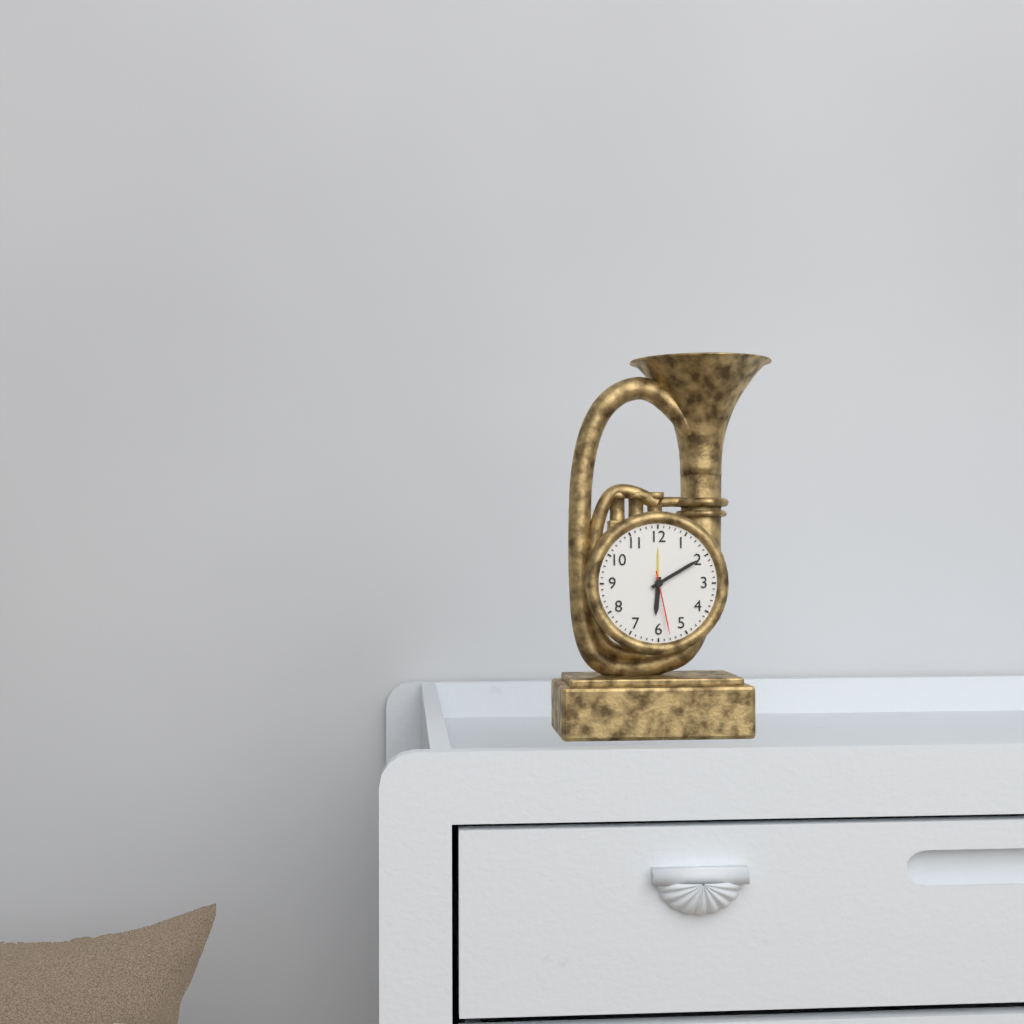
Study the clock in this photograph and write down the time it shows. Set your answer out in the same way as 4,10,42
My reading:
6,10,28
